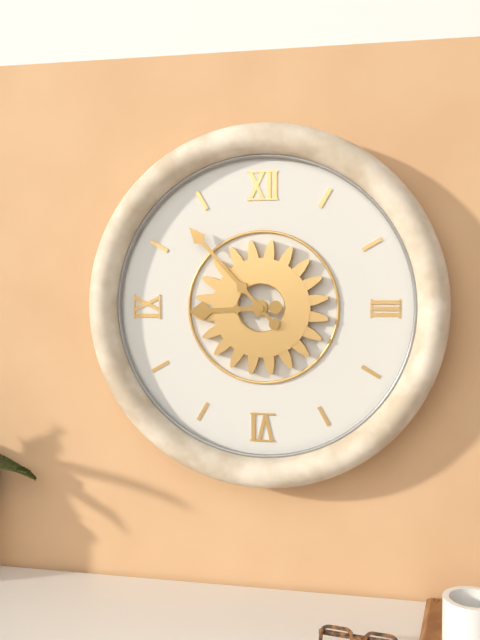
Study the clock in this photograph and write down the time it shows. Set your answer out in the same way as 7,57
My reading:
8,53
